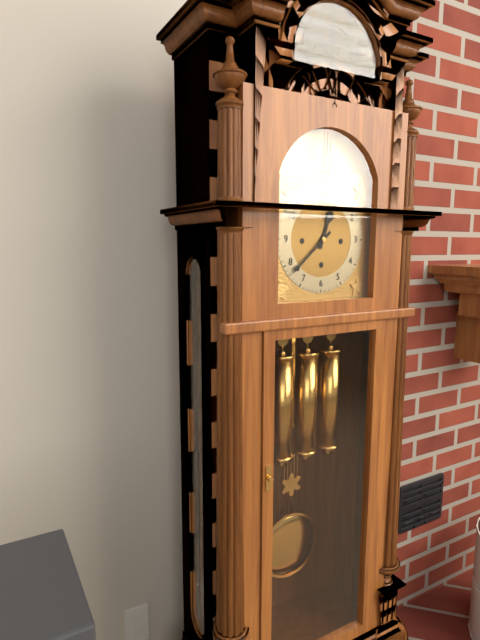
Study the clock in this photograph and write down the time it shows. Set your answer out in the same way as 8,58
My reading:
12,38
